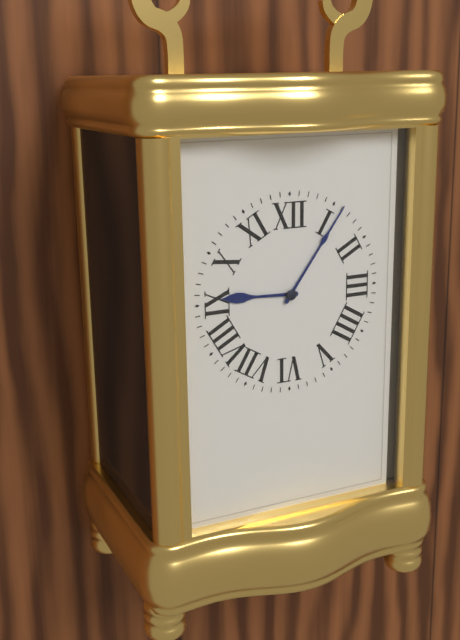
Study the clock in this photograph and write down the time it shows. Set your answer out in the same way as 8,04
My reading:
9,06
